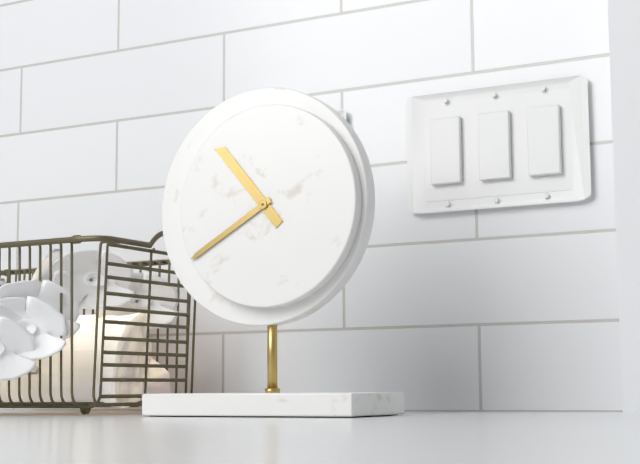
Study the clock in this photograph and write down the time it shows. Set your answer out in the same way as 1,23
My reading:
10,40
